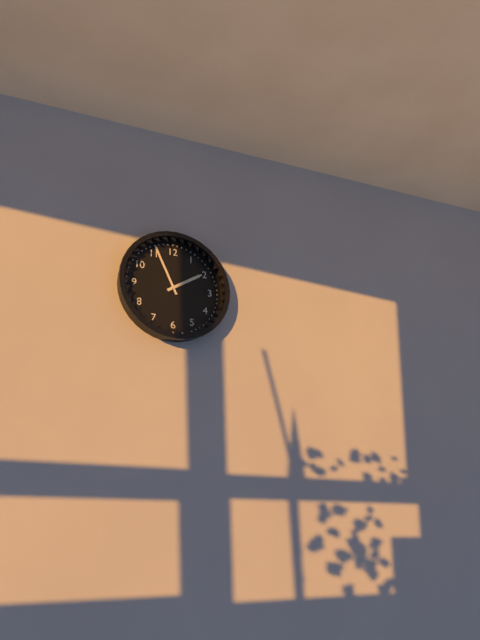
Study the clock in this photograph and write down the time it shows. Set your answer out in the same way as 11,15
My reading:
1,56
